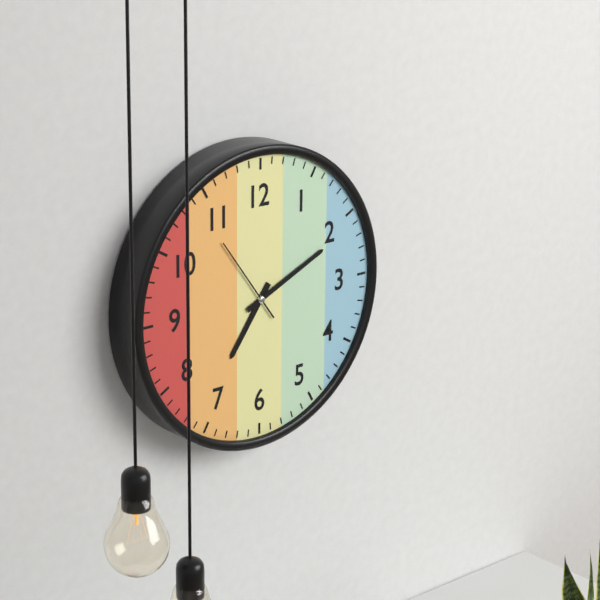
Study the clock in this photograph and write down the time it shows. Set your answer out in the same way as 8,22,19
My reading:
7,11,54
